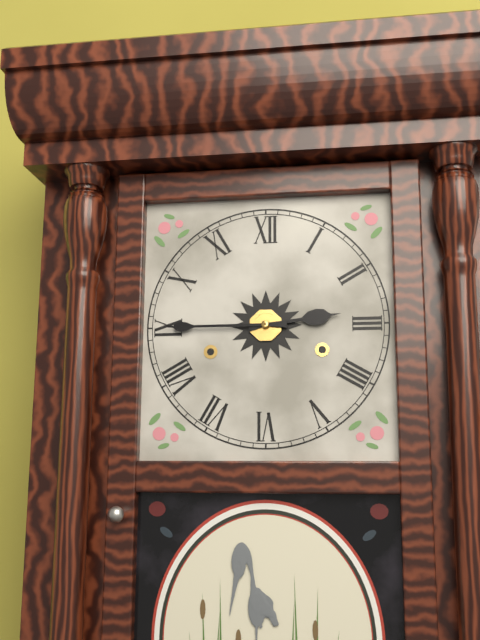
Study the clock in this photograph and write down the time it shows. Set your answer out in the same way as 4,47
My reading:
2,45
